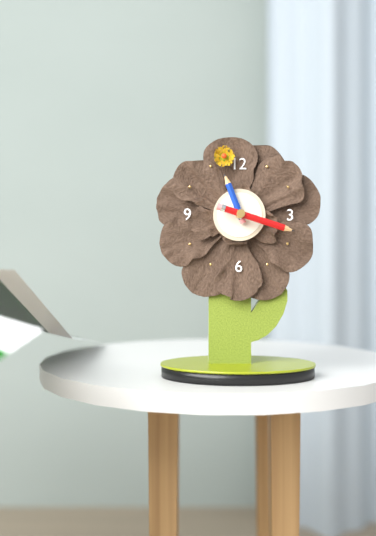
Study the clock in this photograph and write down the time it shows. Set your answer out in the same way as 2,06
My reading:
11,18
